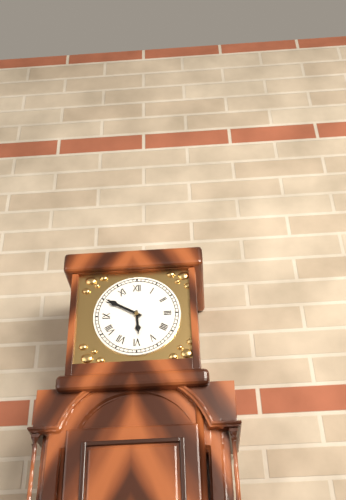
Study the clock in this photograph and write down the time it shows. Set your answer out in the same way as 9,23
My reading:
5,50
